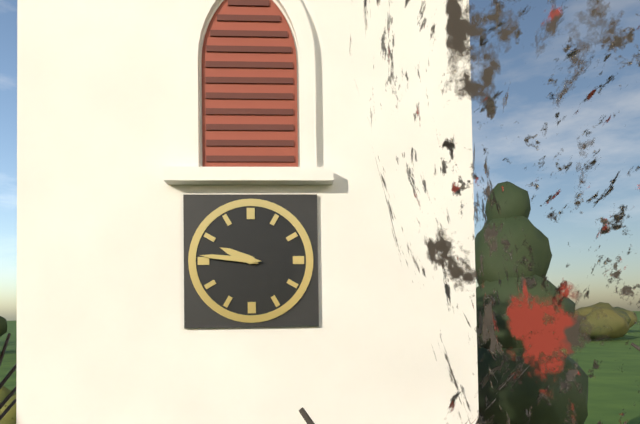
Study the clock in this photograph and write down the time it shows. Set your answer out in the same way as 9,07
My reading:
9,46
